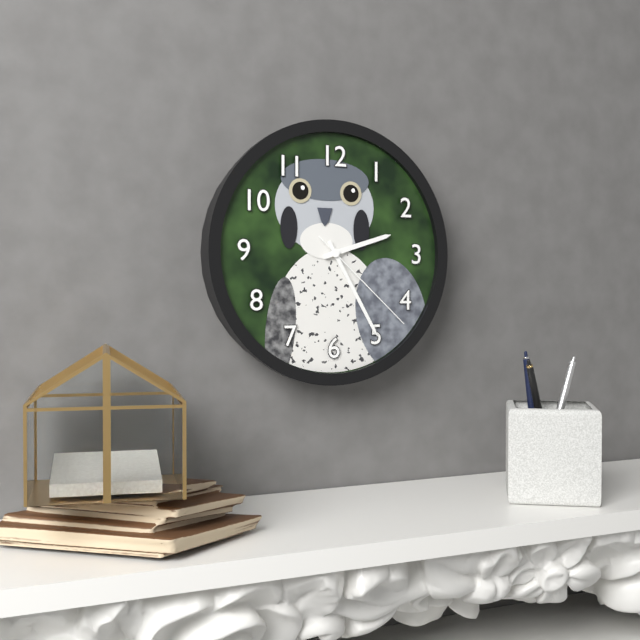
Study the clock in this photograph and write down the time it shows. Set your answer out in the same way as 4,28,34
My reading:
2,25,22
